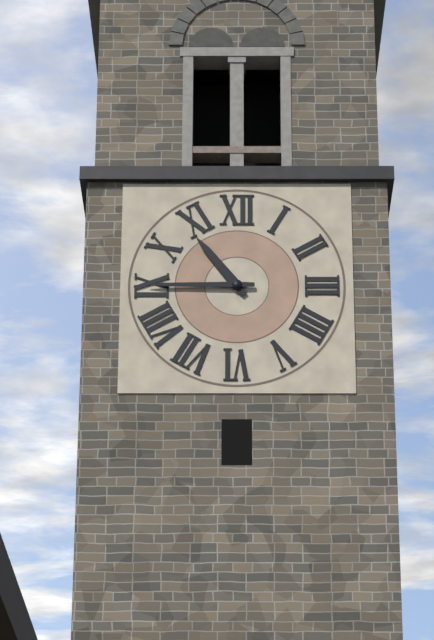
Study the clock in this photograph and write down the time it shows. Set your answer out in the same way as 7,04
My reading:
10,45
